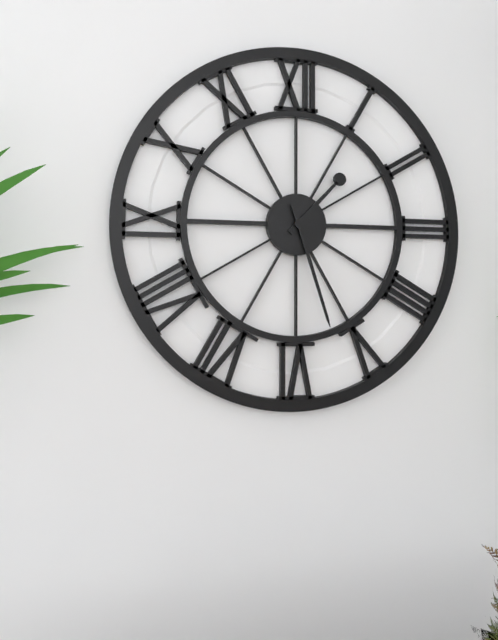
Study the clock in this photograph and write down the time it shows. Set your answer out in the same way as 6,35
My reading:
1,27
